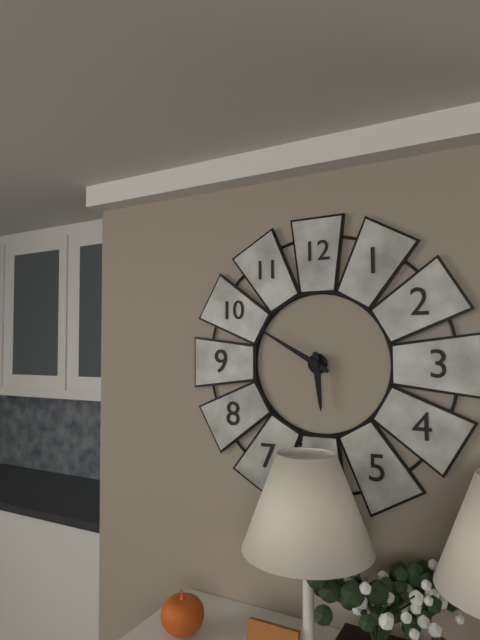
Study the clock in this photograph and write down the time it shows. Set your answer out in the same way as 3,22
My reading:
5,50
